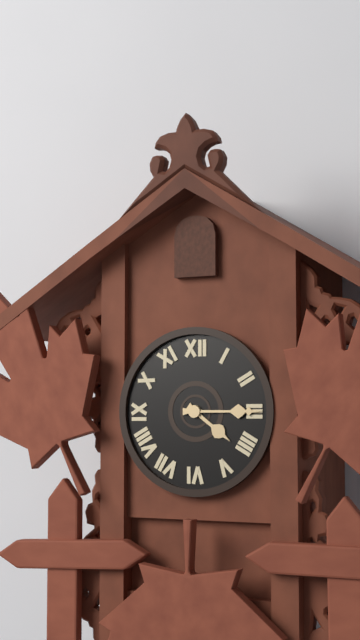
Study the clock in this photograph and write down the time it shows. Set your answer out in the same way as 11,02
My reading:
4,15
